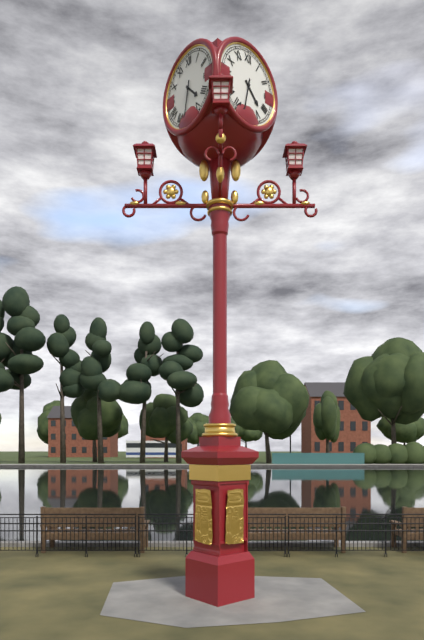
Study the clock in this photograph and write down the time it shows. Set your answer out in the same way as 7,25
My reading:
4,32
